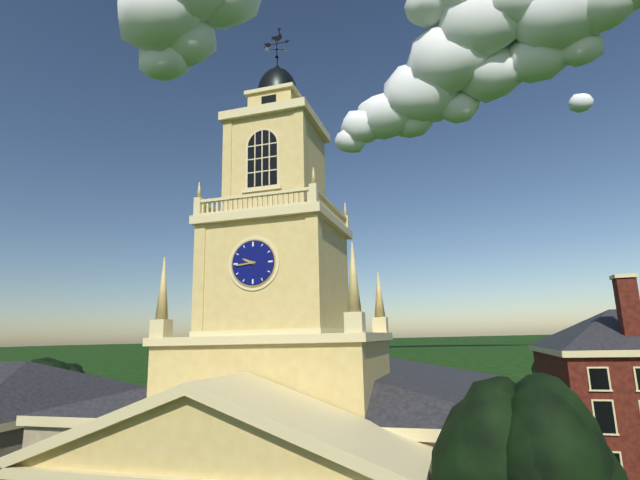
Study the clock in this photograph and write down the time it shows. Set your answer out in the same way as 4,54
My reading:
9,44
